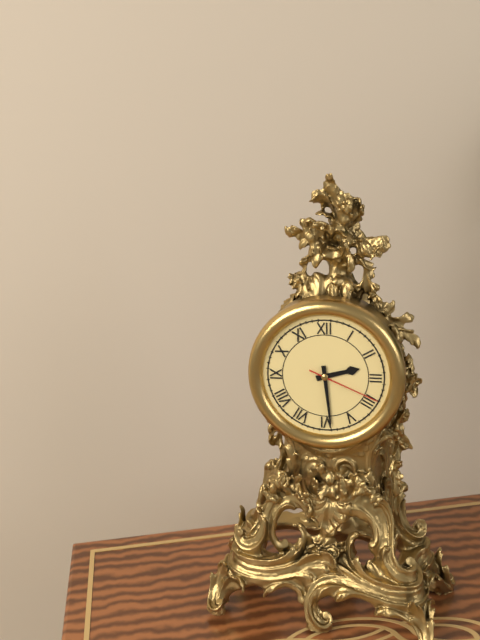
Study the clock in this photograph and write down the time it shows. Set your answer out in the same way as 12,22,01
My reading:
2,29,19
